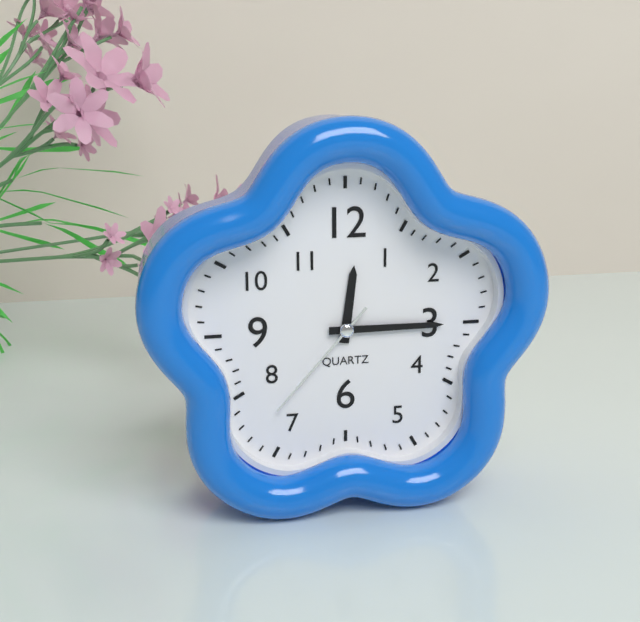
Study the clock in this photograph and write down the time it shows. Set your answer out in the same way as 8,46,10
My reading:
12,15,37
